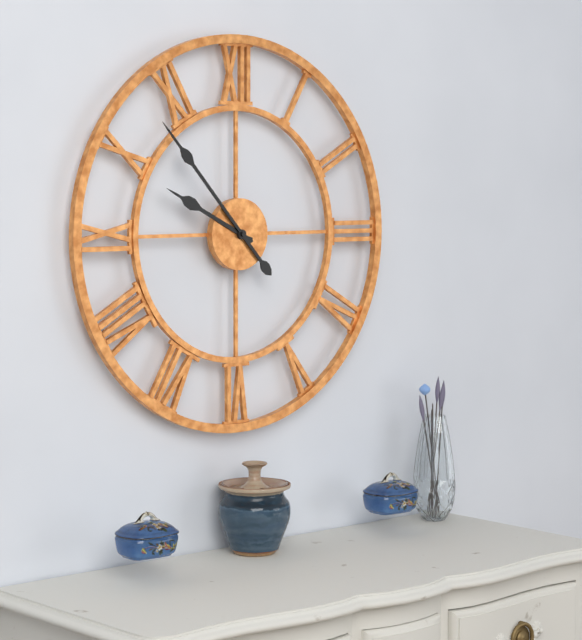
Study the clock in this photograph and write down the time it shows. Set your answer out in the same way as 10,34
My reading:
9,53
